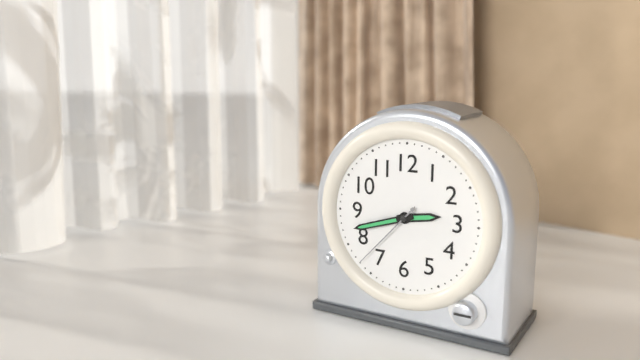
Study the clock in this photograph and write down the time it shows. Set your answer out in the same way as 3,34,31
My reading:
2,42,37
